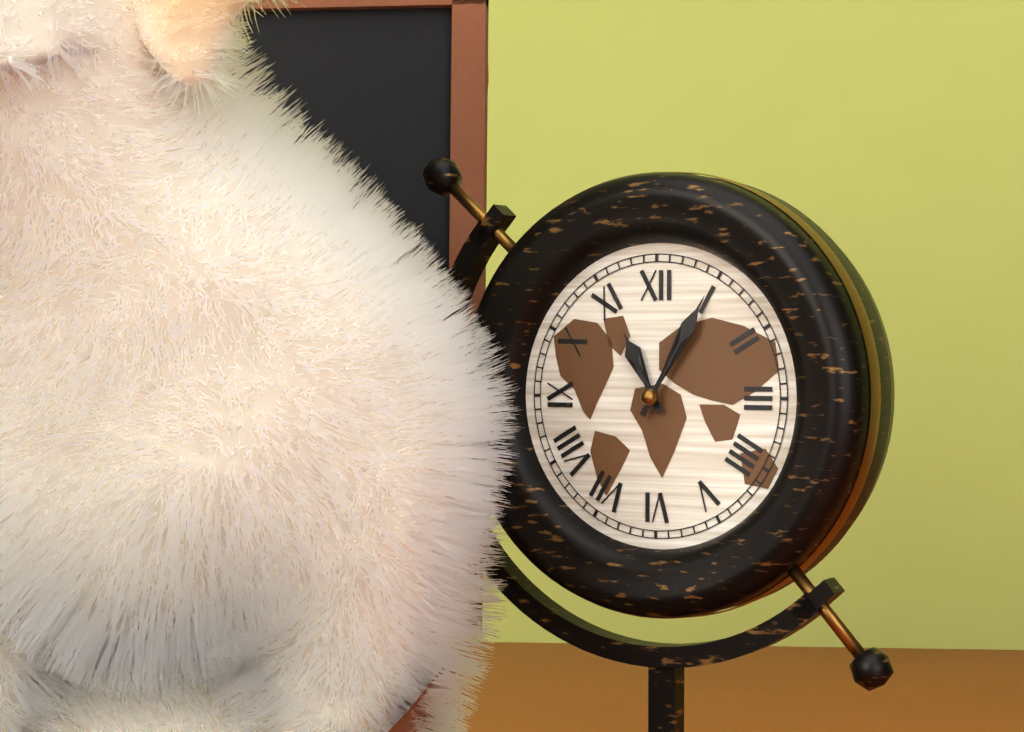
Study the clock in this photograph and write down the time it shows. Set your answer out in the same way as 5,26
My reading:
11,05
